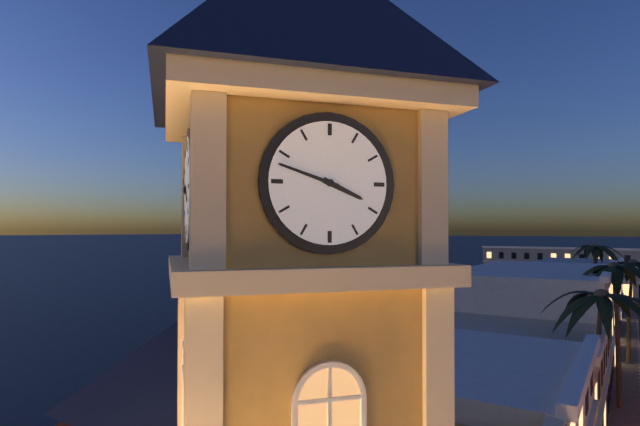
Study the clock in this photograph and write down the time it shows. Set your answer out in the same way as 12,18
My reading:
3,48
